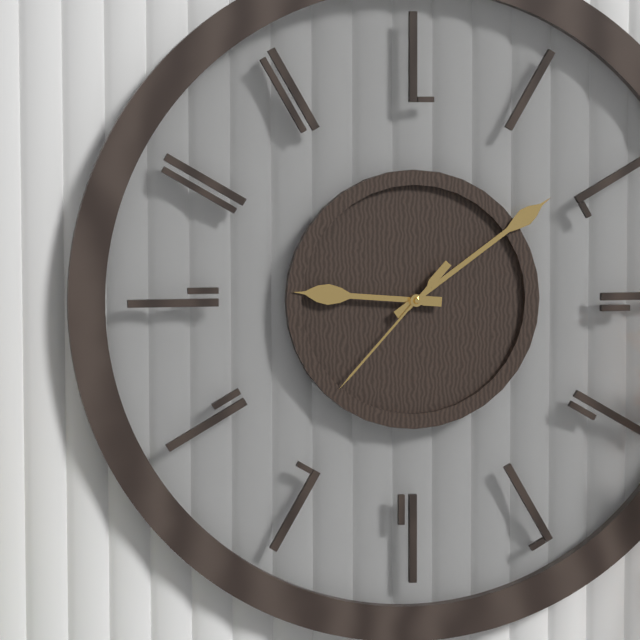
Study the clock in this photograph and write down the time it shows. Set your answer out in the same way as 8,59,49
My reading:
9,09,37
